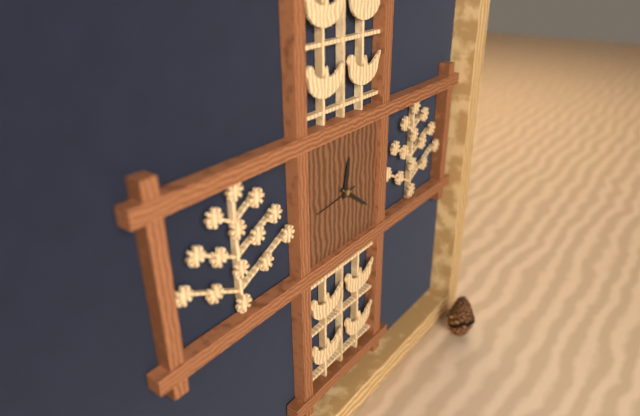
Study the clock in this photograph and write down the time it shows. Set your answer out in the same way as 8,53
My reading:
12,21
